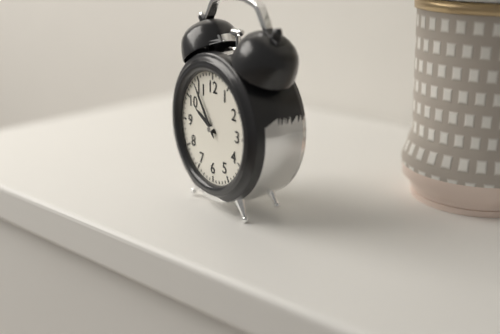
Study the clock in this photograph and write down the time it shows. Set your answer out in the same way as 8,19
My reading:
9,54
